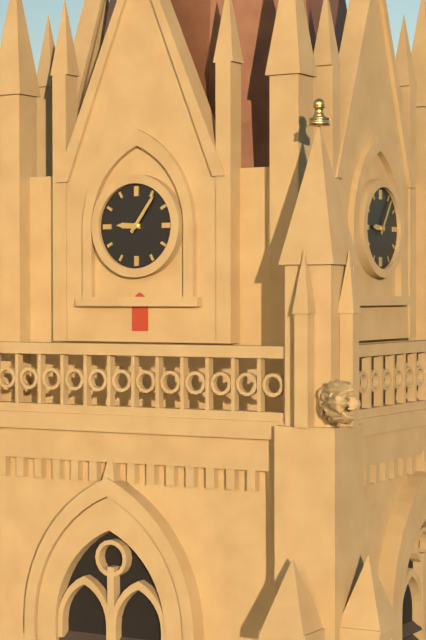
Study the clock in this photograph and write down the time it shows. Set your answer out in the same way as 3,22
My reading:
9,06
